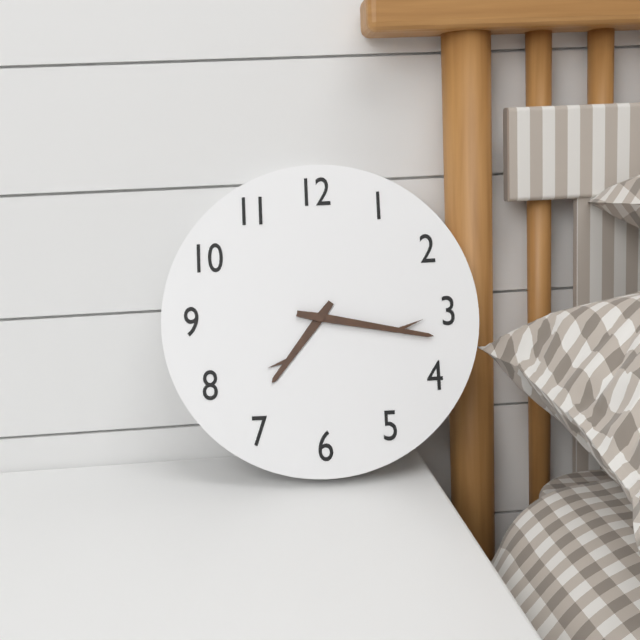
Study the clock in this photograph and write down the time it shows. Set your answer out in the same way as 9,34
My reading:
7,17
